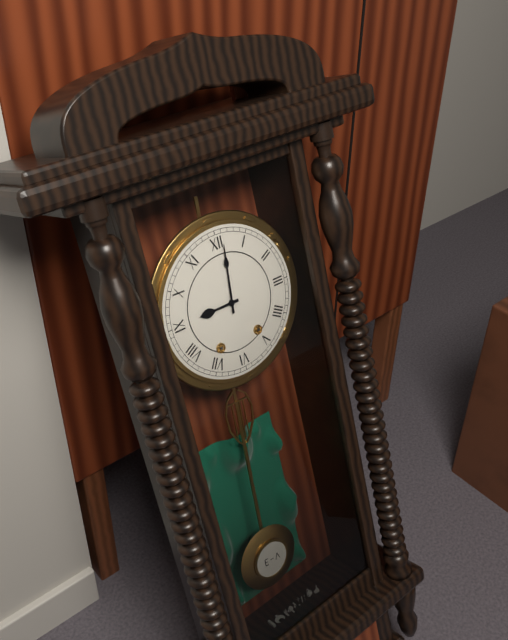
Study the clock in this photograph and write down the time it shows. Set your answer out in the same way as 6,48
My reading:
9,01
